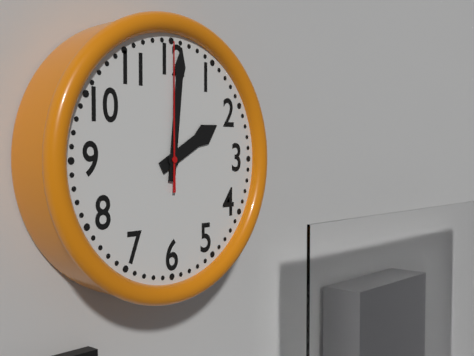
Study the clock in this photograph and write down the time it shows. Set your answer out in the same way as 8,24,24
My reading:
2,01,00
